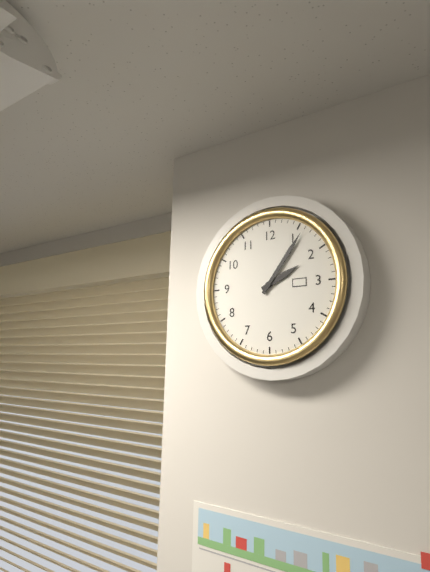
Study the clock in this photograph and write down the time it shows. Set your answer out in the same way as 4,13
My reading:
2,06
